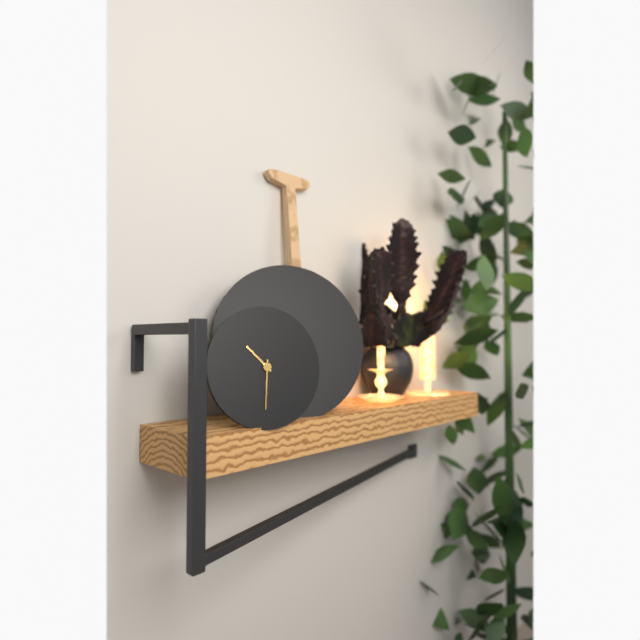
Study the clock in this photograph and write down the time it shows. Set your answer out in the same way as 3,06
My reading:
10,31
